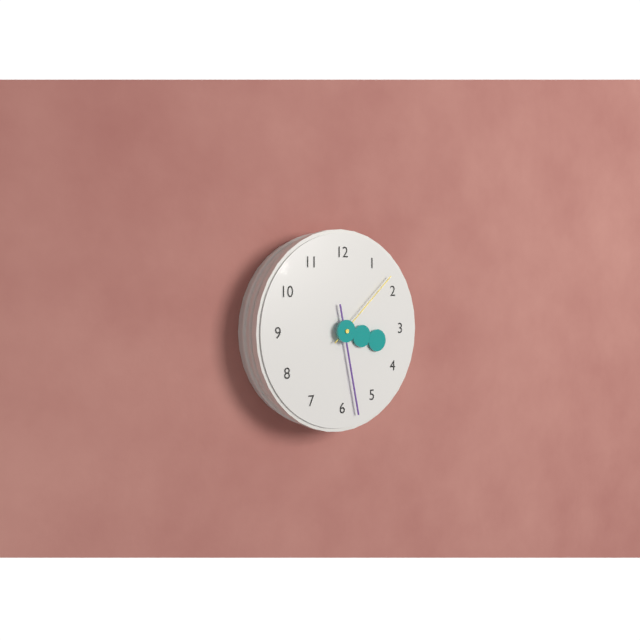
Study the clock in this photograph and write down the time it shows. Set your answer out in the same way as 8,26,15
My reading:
3,28,08
